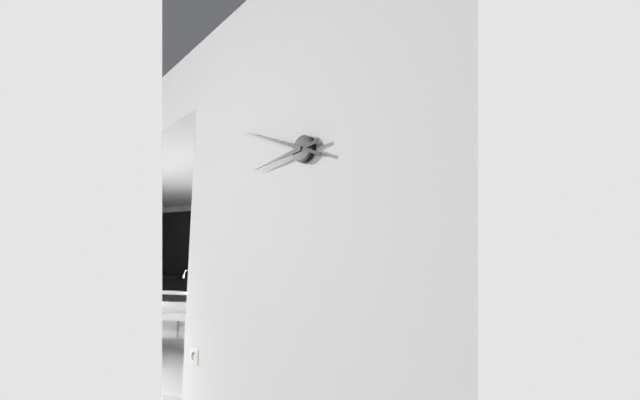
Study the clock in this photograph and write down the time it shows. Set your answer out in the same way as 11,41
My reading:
8,49
